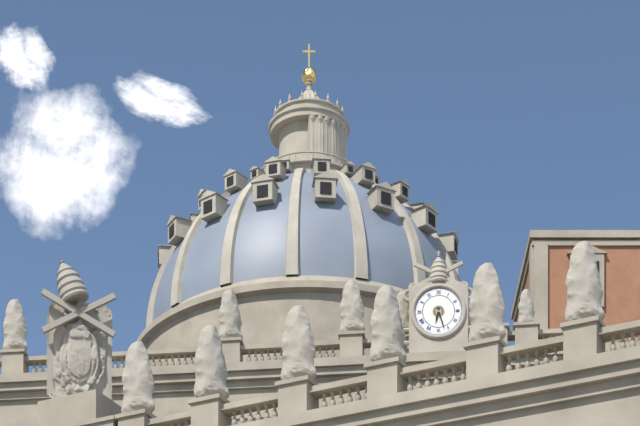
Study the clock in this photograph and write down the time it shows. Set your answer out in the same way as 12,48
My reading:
6,27
